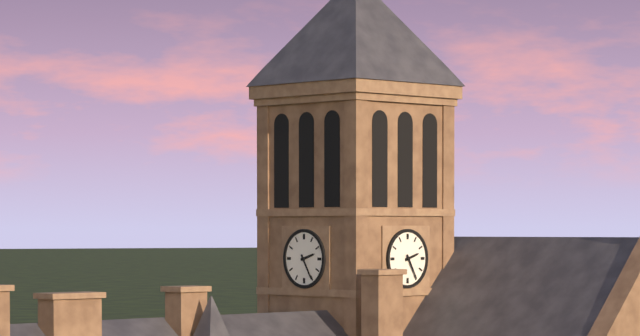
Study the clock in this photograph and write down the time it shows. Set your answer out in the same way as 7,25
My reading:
2,25
